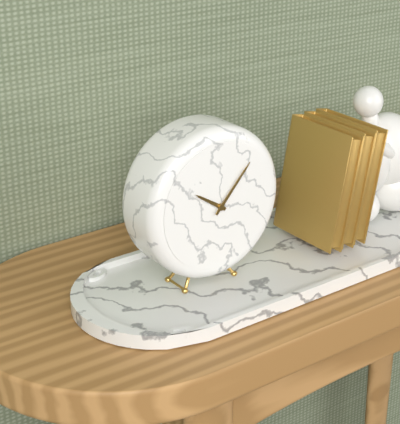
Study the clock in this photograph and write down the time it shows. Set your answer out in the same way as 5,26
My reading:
10,07
